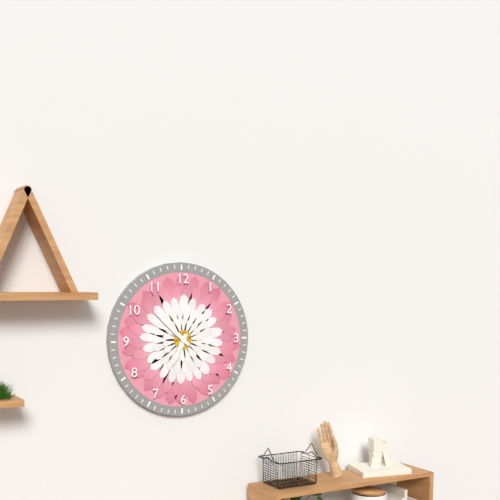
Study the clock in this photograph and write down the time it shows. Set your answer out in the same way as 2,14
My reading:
6,52
